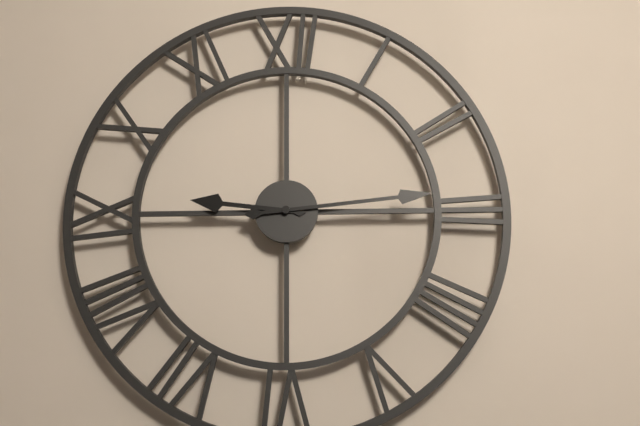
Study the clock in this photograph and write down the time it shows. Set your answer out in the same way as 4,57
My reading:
9,14
